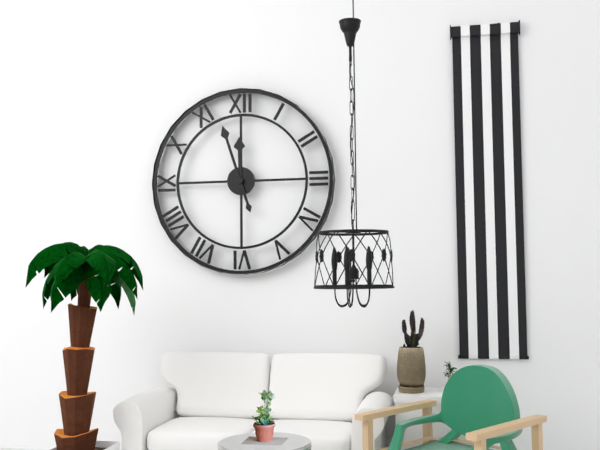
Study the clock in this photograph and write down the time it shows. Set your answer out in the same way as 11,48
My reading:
11,57
